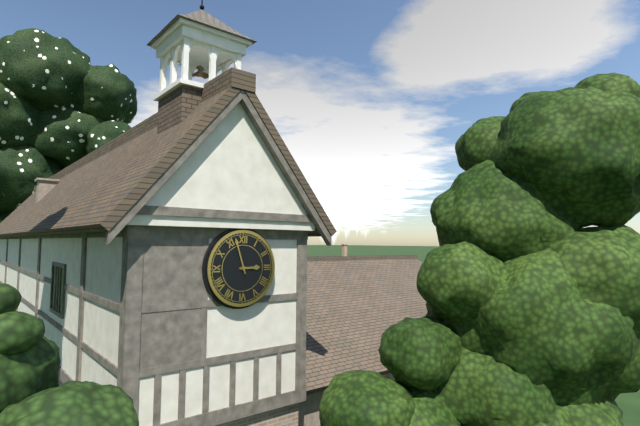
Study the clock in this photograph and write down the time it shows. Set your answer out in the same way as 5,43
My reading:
2,57
